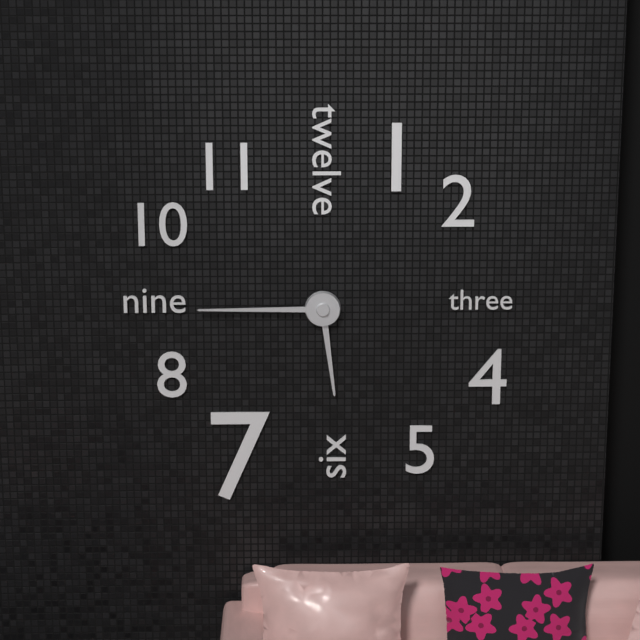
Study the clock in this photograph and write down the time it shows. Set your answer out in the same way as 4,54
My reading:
5,45
